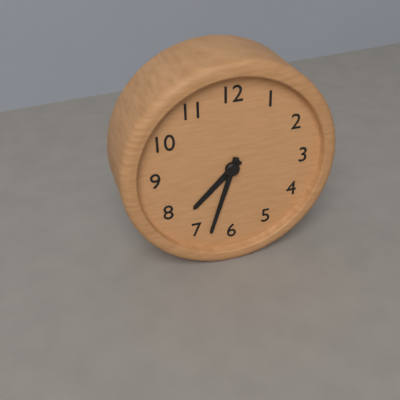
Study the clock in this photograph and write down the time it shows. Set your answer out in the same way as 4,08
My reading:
7,33
